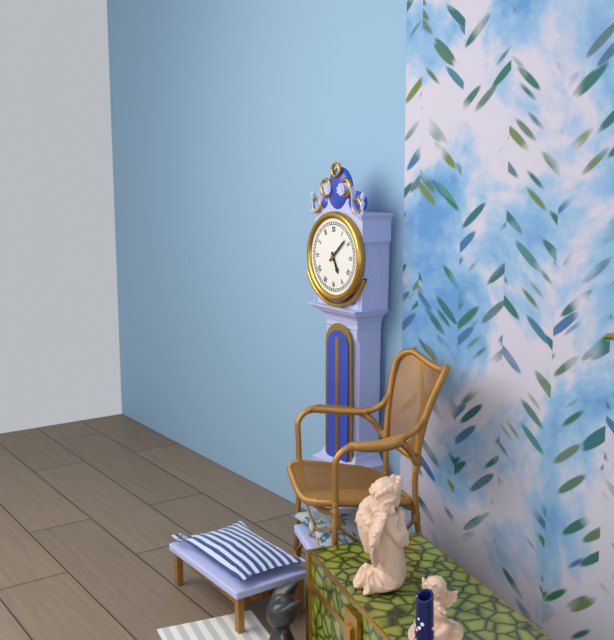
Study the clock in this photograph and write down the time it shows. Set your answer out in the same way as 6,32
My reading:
5,08
